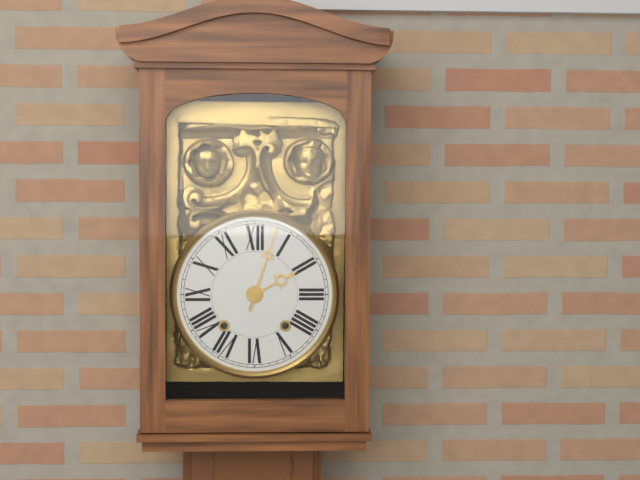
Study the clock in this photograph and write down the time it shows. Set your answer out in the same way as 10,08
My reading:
2,03
